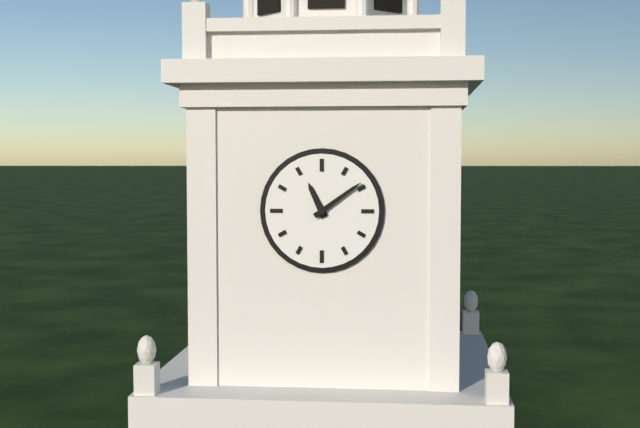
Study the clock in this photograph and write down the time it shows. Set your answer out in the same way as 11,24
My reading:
11,09
